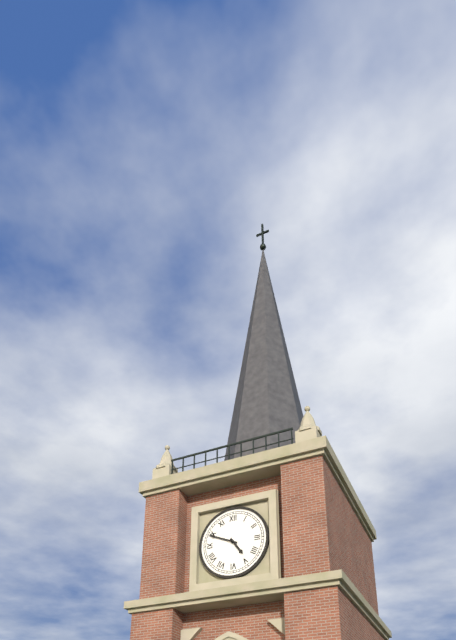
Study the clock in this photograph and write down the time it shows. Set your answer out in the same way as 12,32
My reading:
4,49
